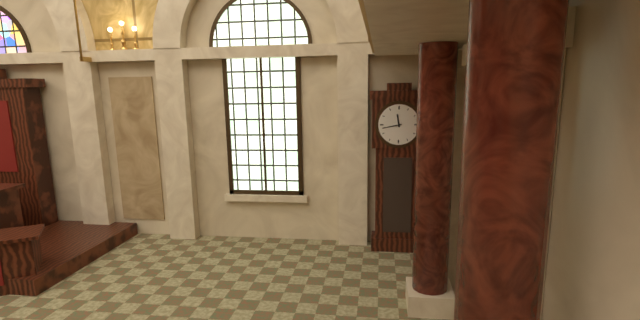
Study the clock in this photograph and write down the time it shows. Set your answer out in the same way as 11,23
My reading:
11,43
